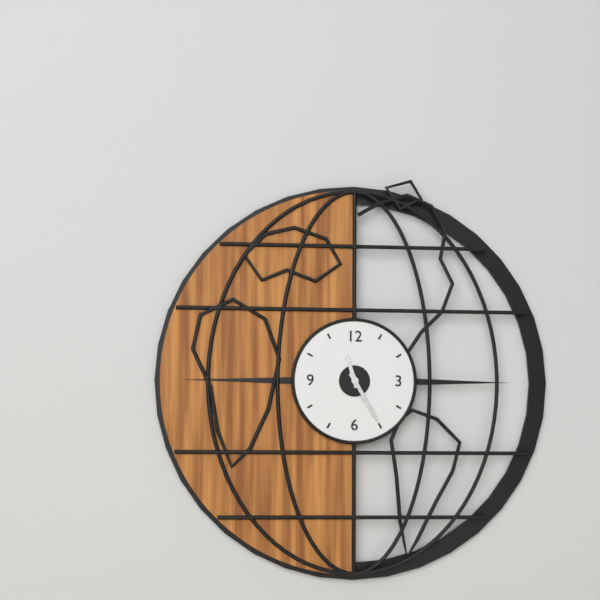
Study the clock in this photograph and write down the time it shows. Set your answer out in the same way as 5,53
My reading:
11,25
